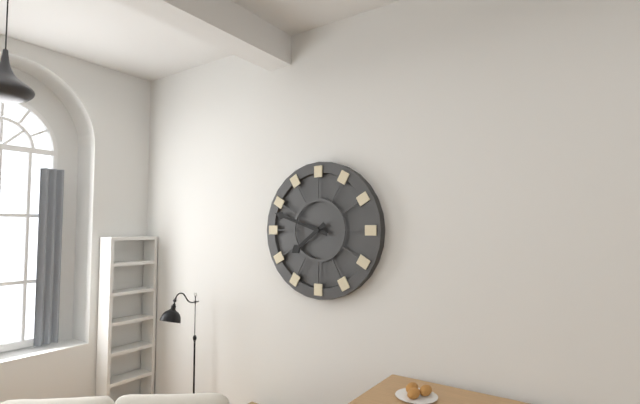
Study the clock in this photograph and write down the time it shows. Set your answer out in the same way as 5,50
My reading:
7,48
